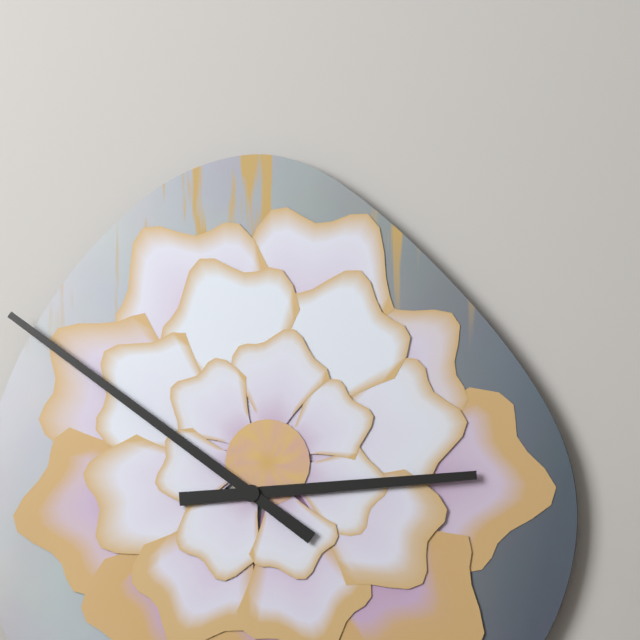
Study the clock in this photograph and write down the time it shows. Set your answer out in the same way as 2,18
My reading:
2,51
